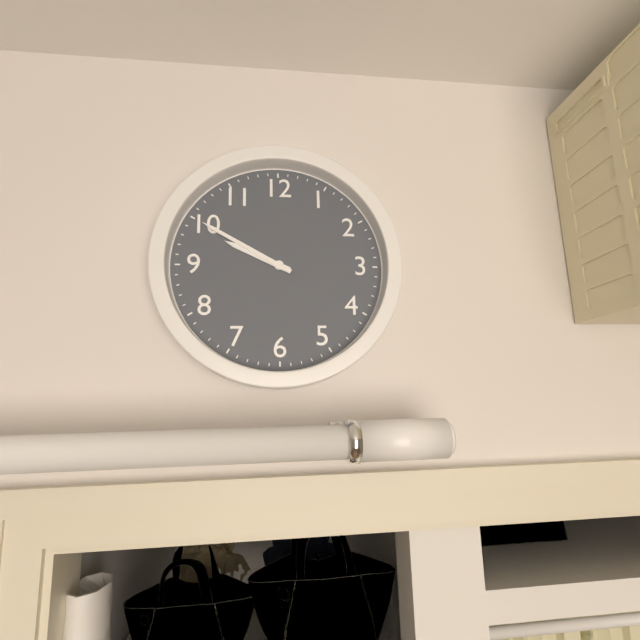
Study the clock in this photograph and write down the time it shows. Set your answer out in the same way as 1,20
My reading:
9,50
